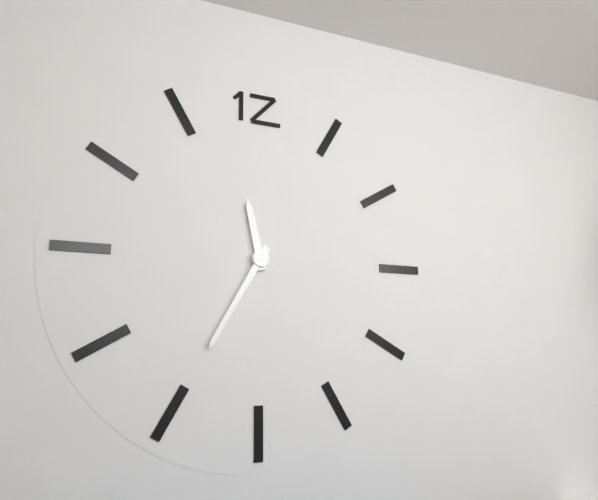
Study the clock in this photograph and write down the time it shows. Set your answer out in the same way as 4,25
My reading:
11,35
